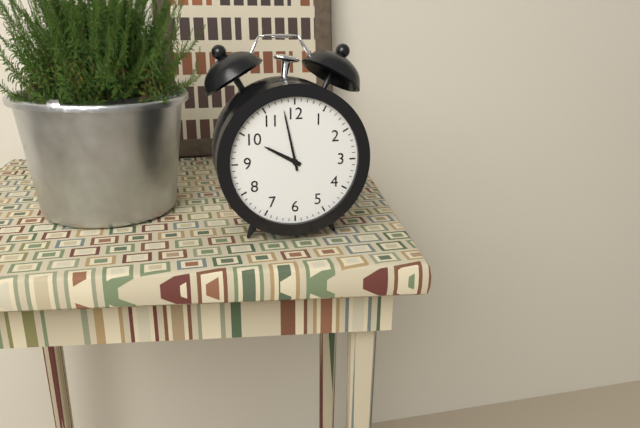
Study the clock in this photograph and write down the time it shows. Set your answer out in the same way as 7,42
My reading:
9,58
